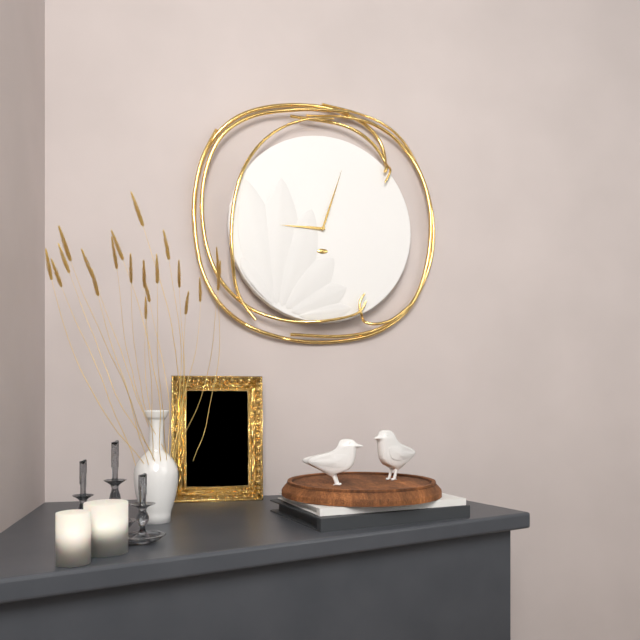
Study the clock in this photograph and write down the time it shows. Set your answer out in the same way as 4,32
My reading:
9,03
